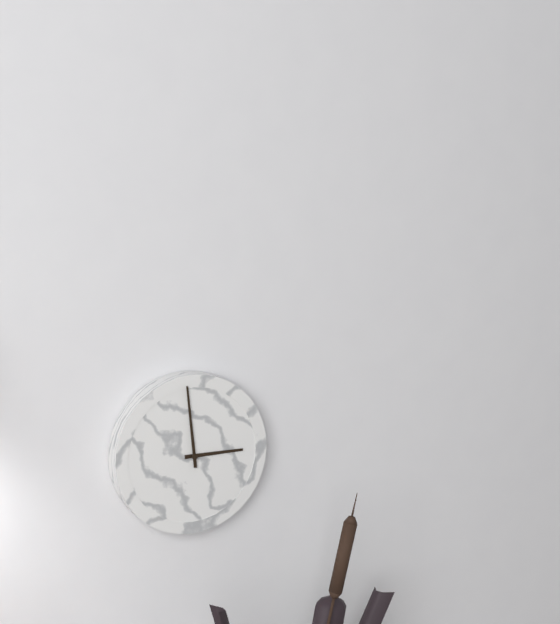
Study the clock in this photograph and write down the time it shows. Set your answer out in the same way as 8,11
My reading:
2,59
